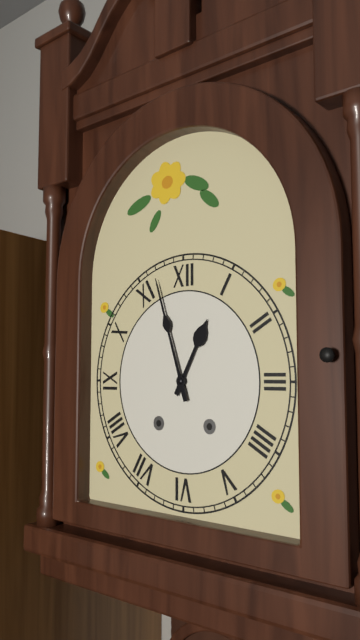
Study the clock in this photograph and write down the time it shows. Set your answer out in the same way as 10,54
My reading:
12,57
